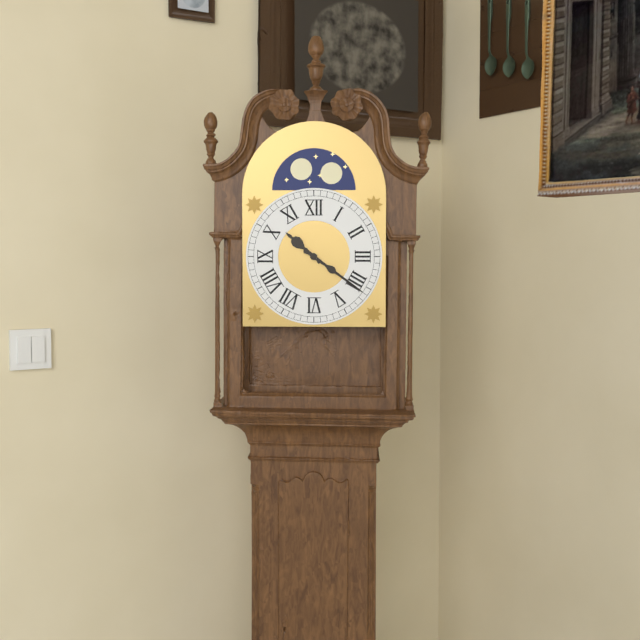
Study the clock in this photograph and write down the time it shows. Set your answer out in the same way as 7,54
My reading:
10,21
